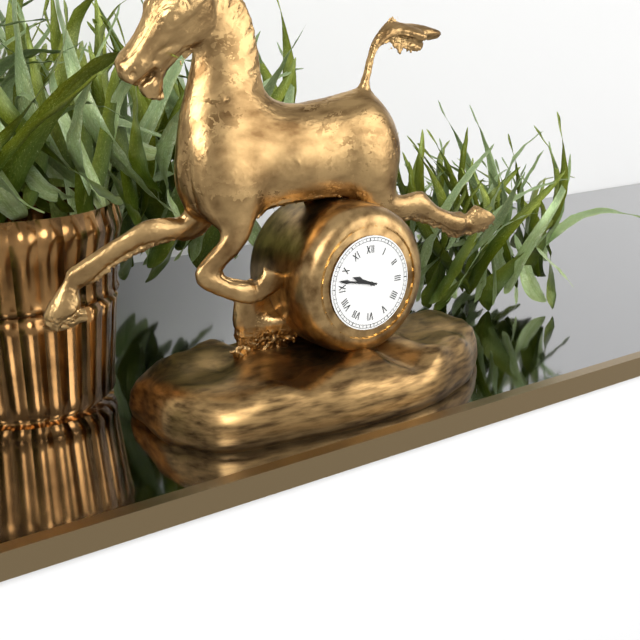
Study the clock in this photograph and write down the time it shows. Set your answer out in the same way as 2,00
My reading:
9,47
